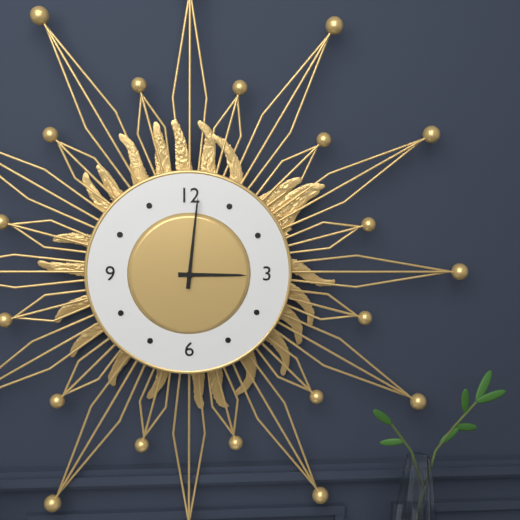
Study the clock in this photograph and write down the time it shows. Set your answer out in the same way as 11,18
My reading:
3,01
